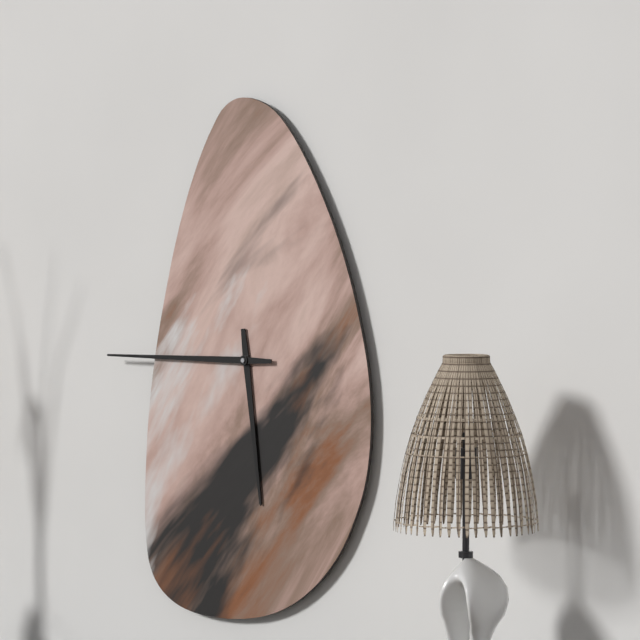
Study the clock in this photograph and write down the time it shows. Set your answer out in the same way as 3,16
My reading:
5,45
